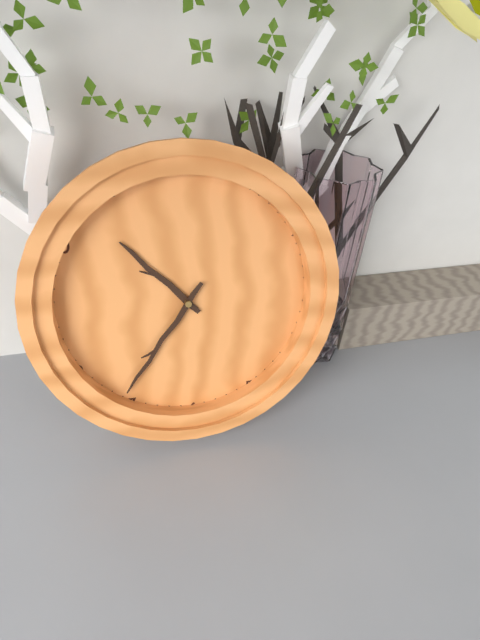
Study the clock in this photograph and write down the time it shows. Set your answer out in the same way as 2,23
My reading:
10,36
